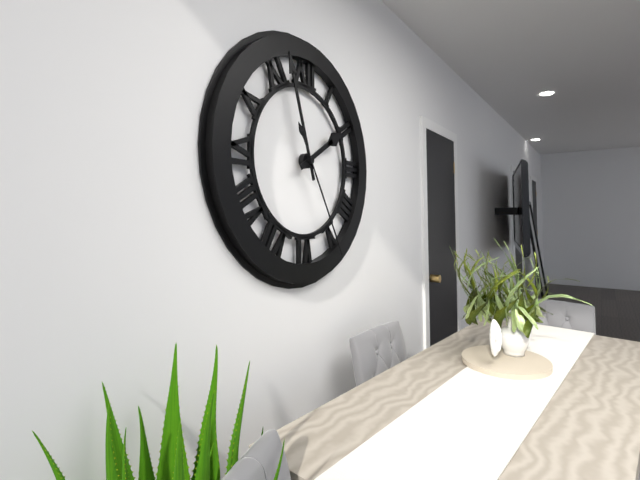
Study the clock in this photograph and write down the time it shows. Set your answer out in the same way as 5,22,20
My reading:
1,57,25
